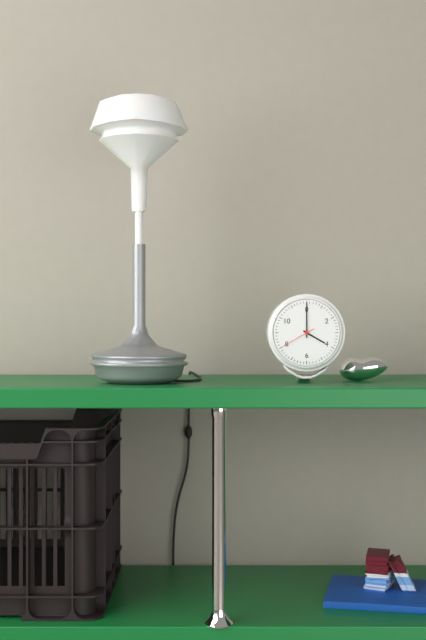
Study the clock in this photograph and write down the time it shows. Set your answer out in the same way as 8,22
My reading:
4,00
